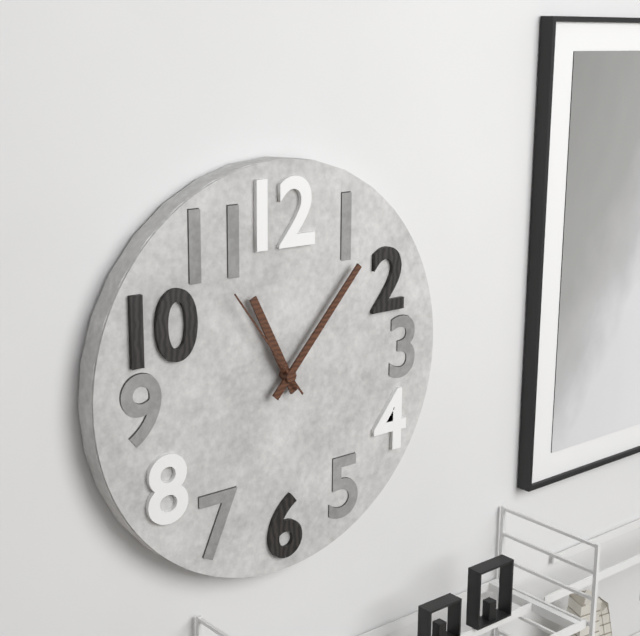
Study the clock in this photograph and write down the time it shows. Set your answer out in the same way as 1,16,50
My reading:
11,07,54
